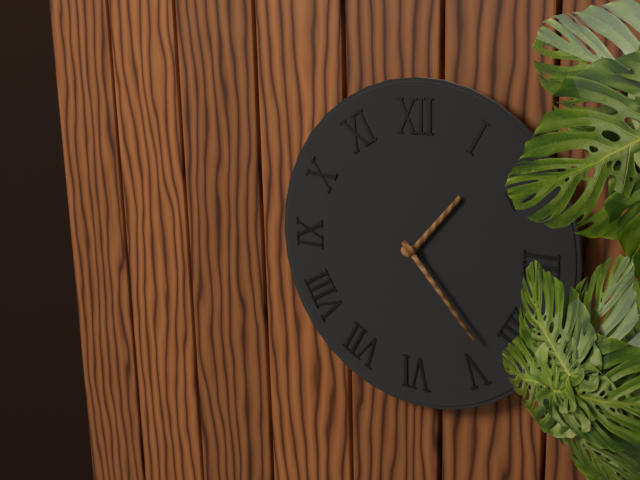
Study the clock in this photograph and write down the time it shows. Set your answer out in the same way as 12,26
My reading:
1,23
